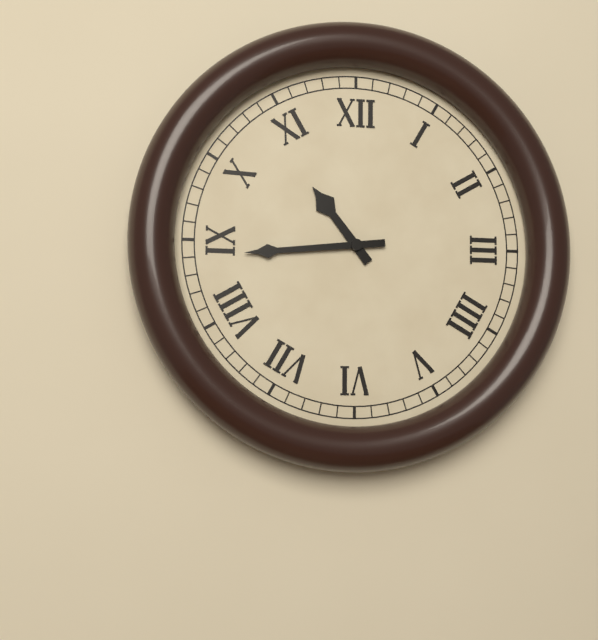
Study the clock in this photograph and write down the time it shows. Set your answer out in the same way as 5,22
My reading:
10,44
